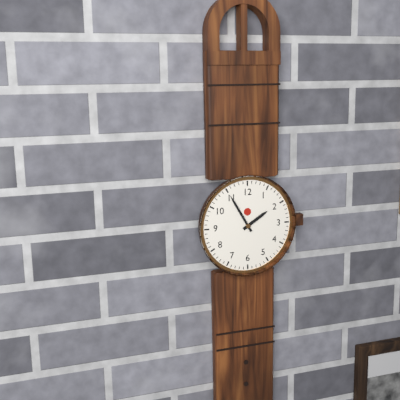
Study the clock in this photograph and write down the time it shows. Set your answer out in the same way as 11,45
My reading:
1,55
